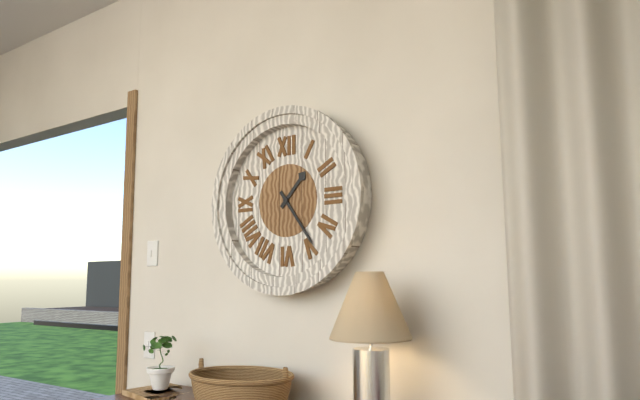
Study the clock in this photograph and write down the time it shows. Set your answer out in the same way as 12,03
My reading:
1,24
